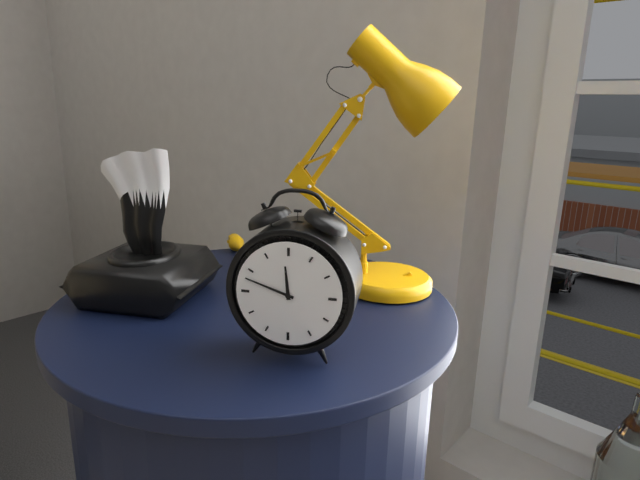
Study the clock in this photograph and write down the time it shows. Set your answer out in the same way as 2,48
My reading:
11,48
